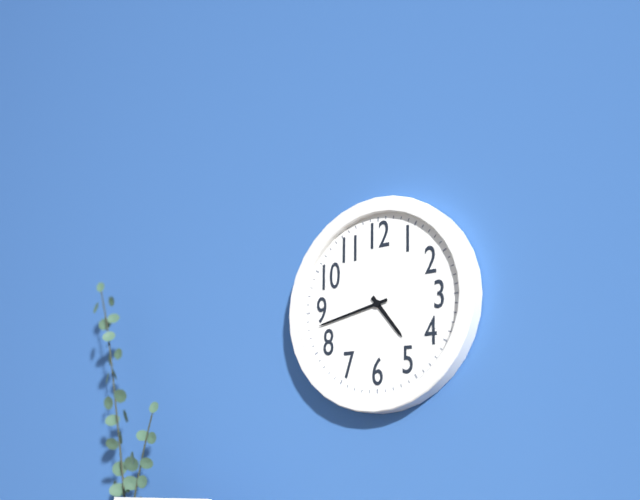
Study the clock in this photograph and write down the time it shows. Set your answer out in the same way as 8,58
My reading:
4,43
